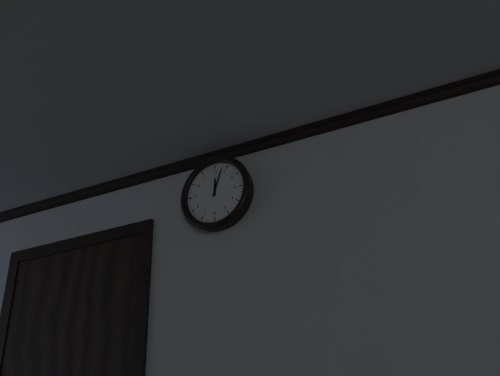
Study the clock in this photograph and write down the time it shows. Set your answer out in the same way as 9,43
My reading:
12,03
